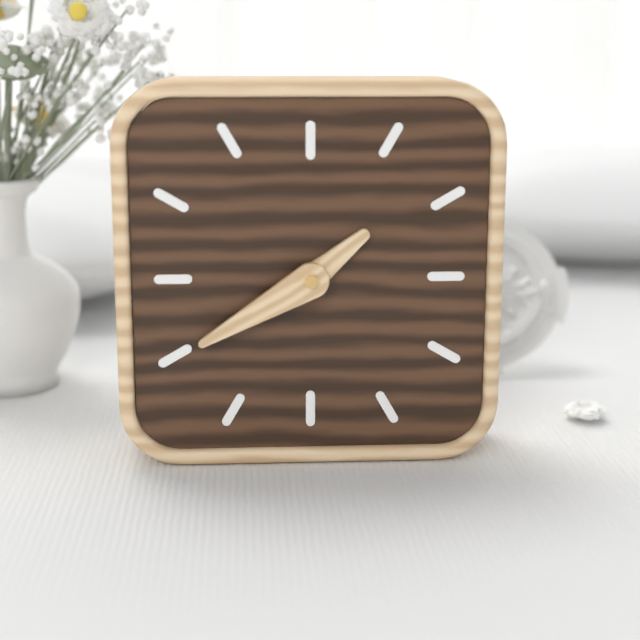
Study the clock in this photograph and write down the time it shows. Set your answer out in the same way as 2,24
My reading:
1,40
